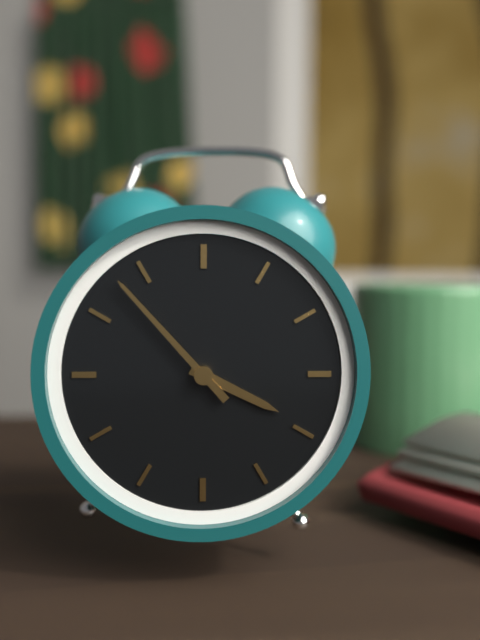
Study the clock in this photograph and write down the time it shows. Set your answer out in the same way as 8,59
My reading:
3,53
